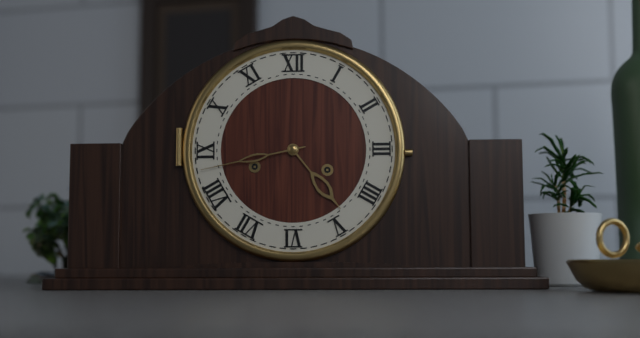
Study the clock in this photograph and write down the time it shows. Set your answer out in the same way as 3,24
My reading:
4,43
